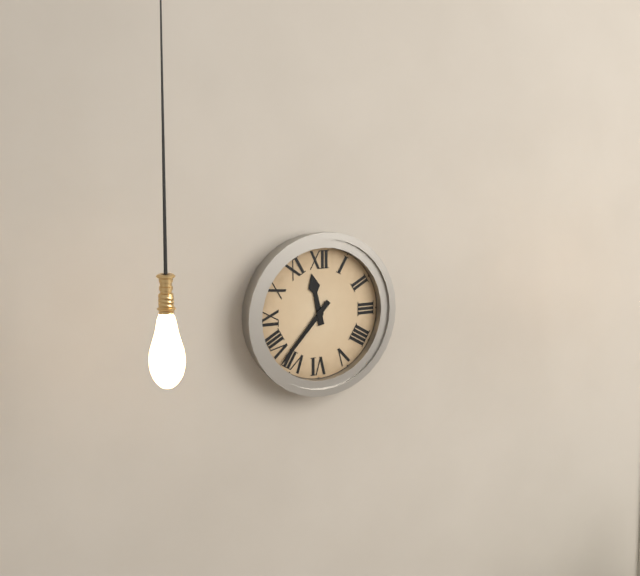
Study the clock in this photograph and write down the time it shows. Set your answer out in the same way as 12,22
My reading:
11,37
